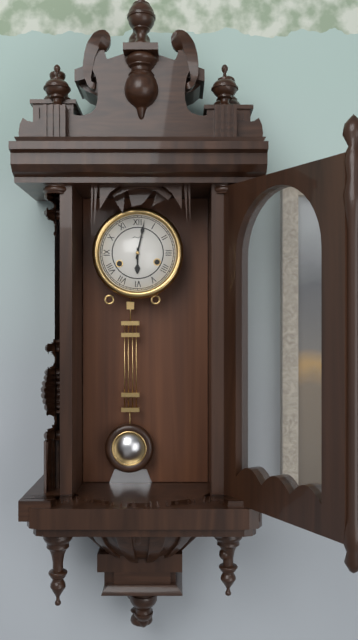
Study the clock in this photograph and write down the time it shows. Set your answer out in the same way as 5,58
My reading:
6,02
